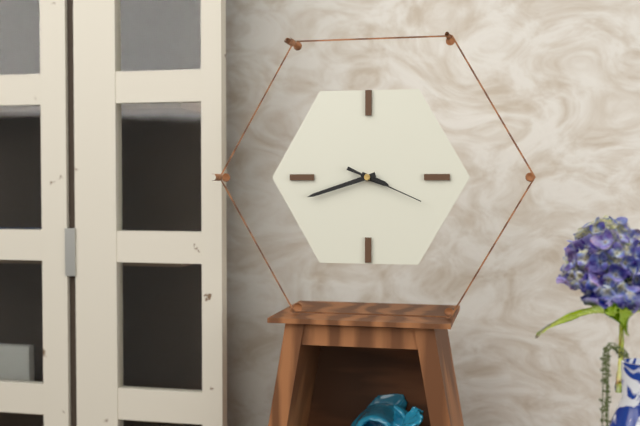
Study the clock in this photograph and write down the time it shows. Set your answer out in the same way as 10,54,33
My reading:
3,42,19
